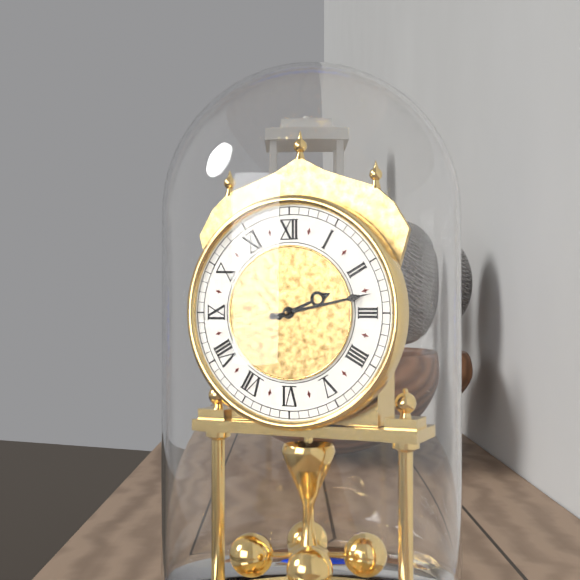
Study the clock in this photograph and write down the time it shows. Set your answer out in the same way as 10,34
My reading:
2,13
